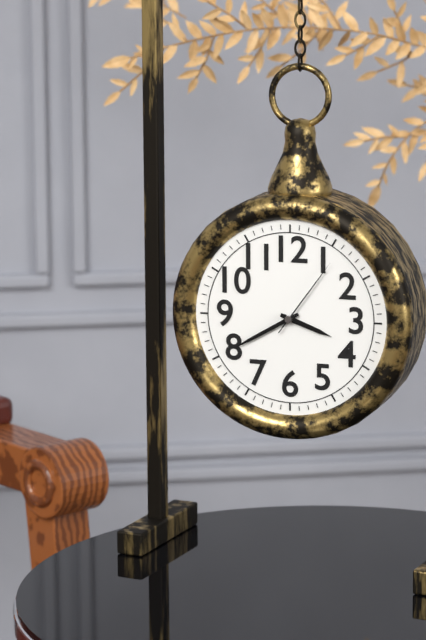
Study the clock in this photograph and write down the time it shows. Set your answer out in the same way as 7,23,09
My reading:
3,40,06
